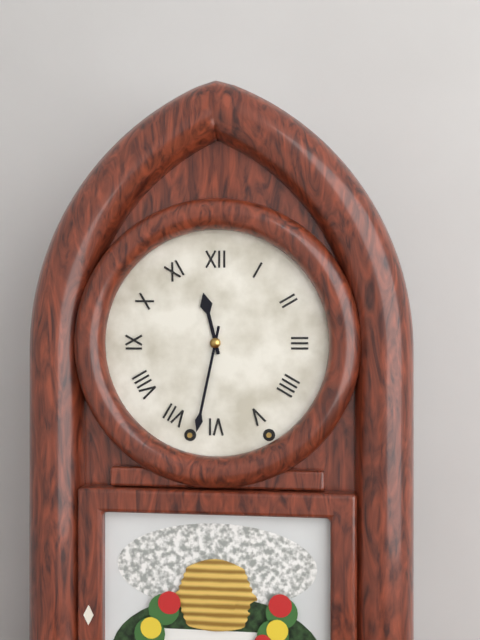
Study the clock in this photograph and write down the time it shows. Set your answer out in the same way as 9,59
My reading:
11,32
